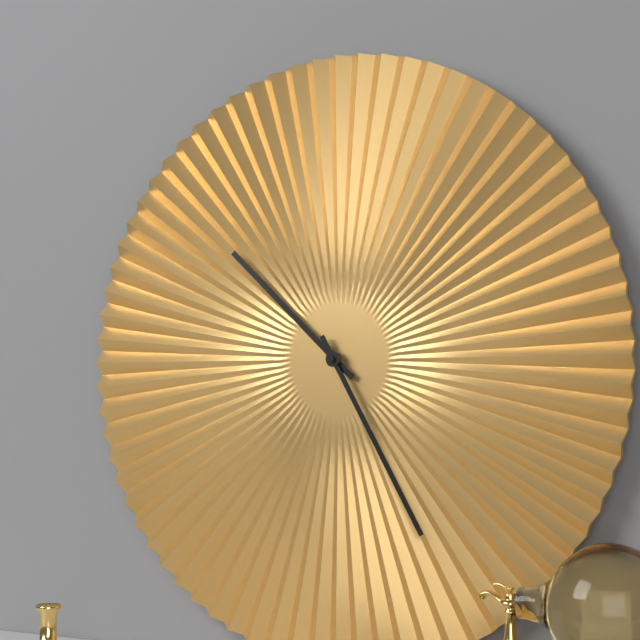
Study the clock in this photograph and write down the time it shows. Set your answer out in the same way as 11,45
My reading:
10,25
